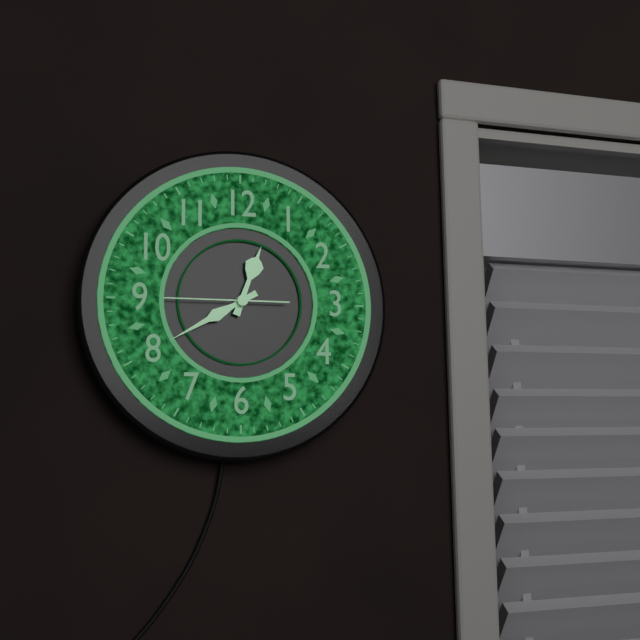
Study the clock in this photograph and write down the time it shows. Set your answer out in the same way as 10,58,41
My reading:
12,40,45
